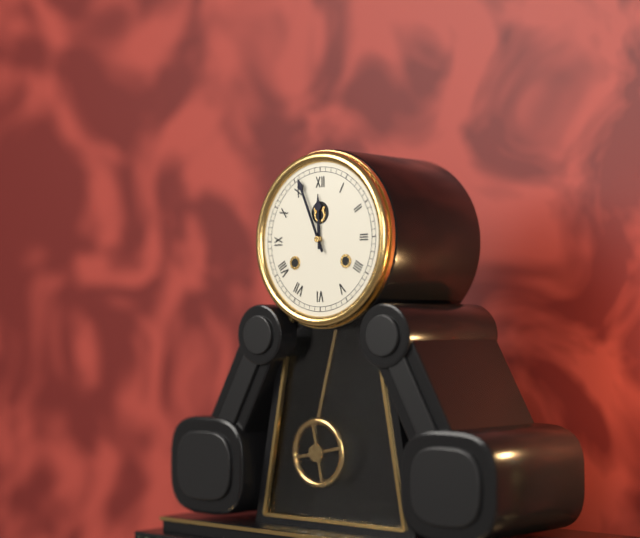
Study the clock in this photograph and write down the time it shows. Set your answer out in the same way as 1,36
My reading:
11,56
